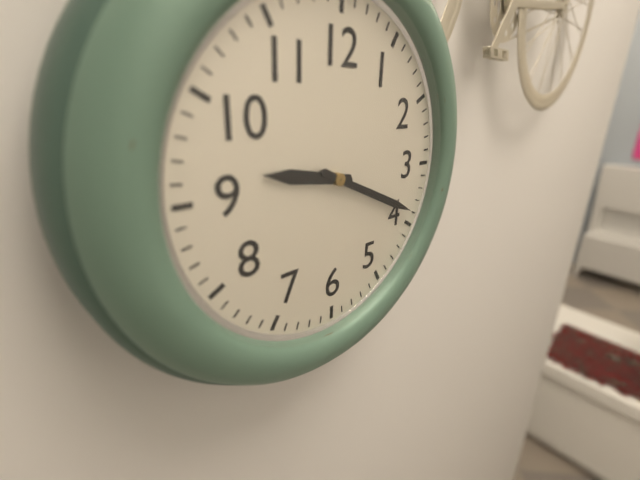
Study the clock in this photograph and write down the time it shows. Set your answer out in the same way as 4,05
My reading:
9,19
